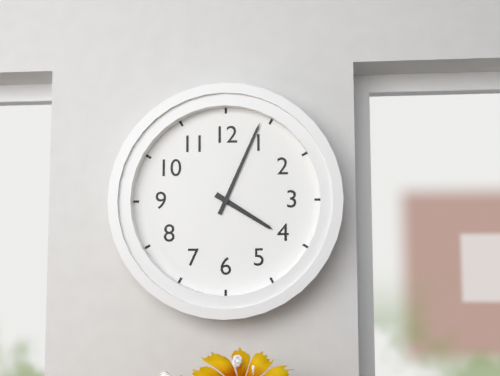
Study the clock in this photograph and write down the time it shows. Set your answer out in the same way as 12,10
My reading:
4,04
